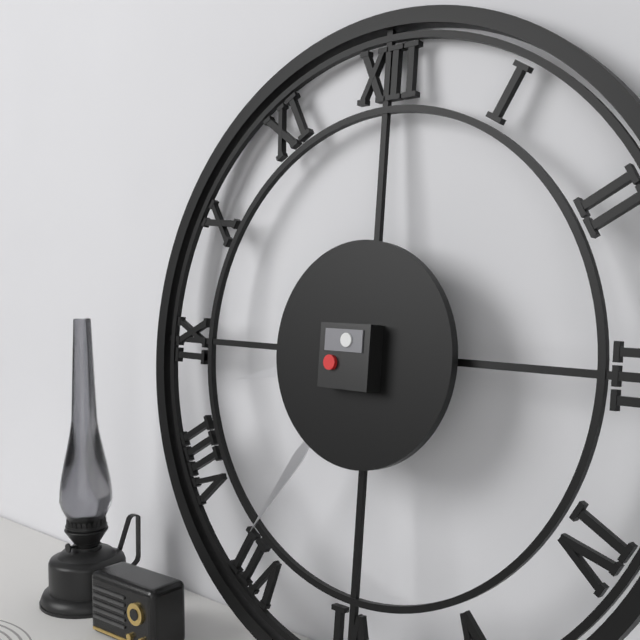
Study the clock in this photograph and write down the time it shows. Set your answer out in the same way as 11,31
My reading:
8,36
